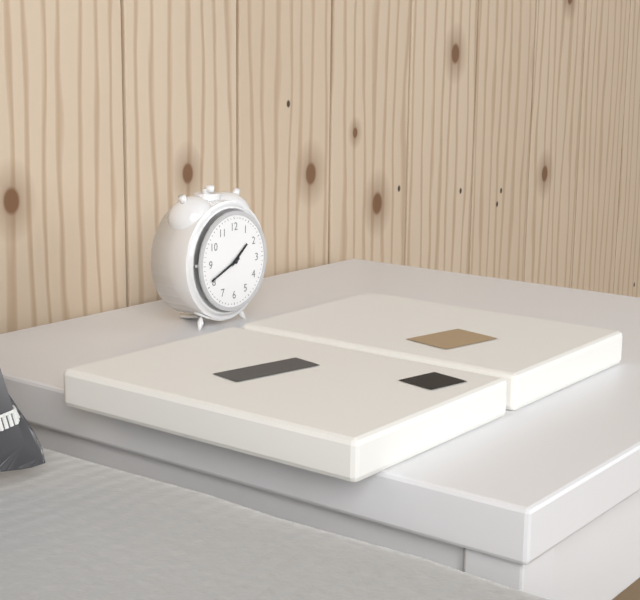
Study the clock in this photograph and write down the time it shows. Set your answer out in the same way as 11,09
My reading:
1,41
